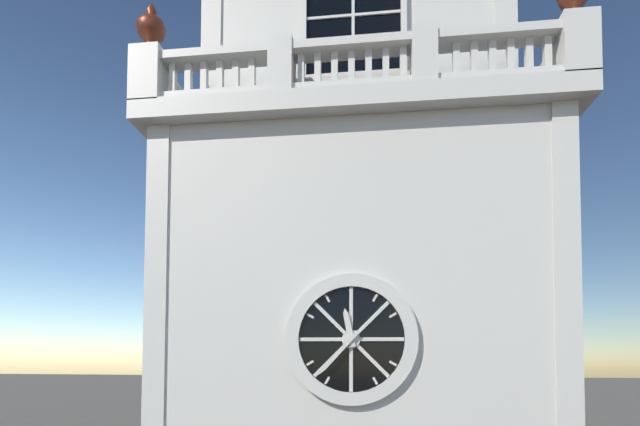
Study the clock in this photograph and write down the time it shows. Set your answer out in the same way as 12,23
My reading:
11,37
